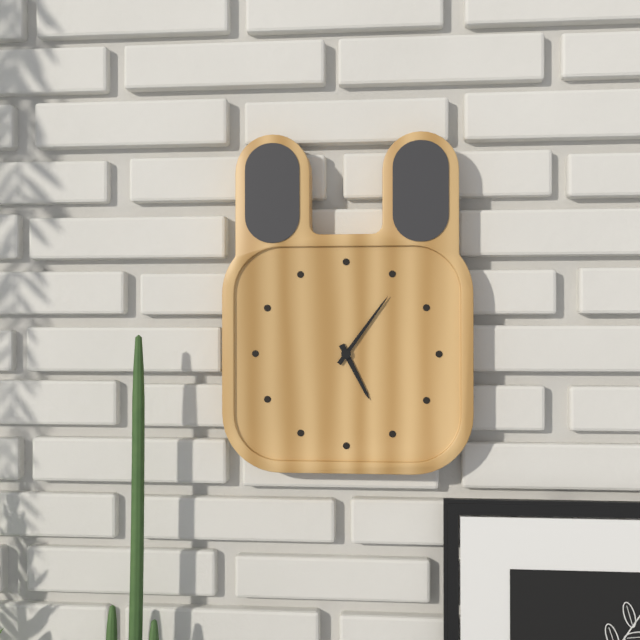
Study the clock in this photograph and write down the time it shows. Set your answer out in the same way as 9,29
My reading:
5,06
